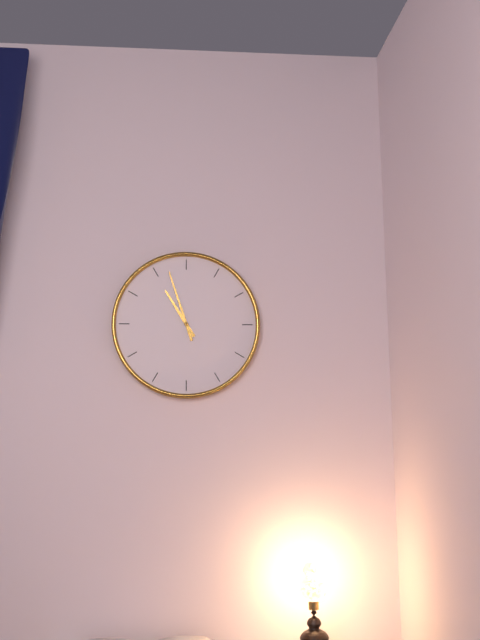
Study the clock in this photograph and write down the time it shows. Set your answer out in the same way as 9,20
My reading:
10,57
